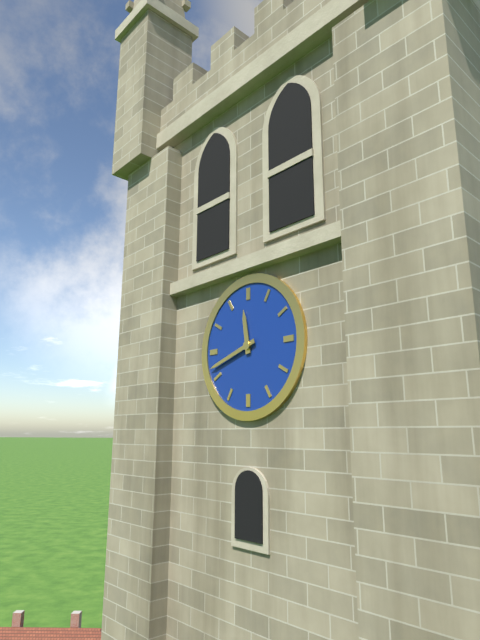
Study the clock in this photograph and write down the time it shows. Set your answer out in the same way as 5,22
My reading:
11,42
